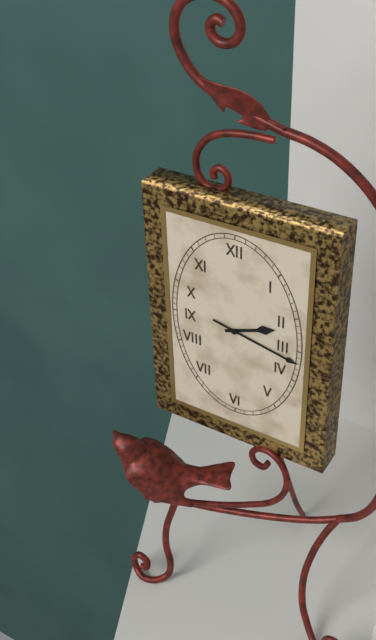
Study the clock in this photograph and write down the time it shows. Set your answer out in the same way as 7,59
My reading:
2,17
